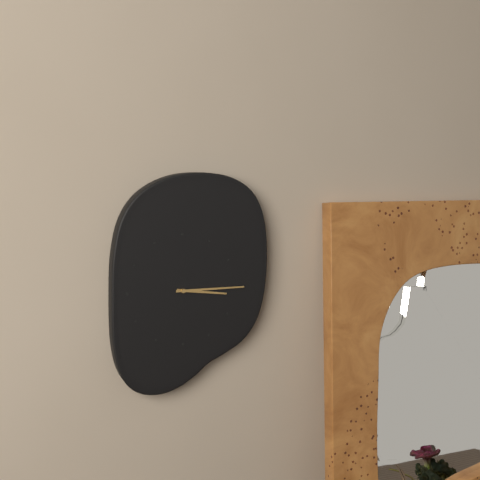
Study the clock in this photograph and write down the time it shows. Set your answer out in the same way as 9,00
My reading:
3,15
